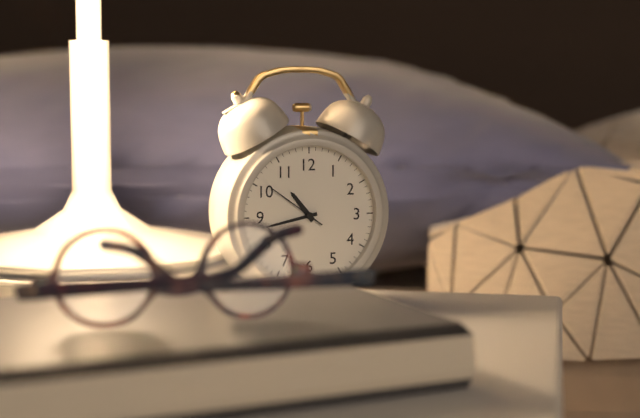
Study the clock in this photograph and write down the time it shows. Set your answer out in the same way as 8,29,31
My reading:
10,43,51
